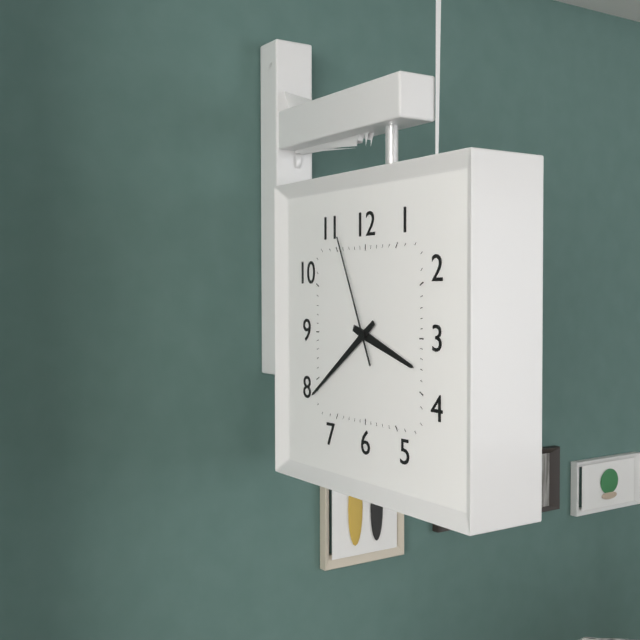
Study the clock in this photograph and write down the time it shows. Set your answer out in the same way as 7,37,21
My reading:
3,39,56
